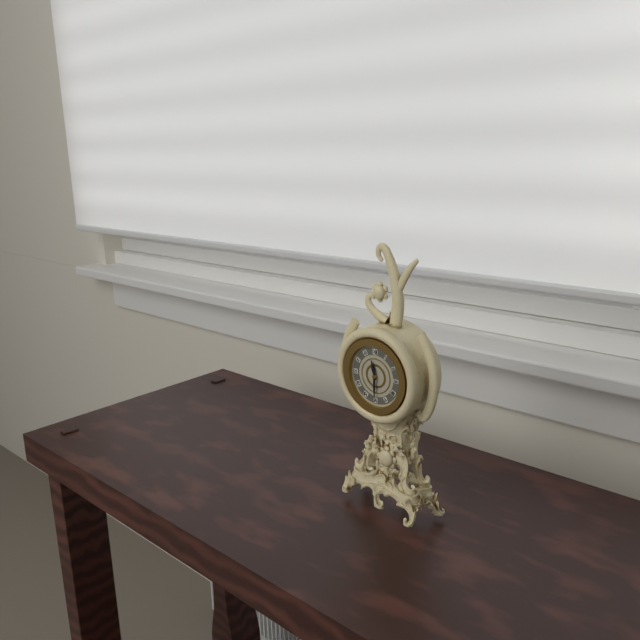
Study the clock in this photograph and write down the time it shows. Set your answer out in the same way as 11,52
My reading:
11,30
